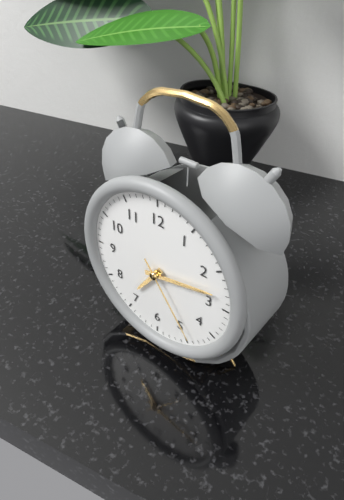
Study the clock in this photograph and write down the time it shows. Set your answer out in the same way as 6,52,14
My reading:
7,13,24
